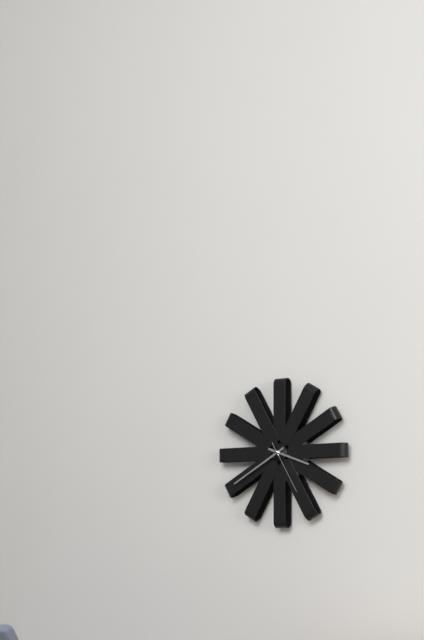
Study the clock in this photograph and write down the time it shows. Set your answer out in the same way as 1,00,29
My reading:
3,40,25
